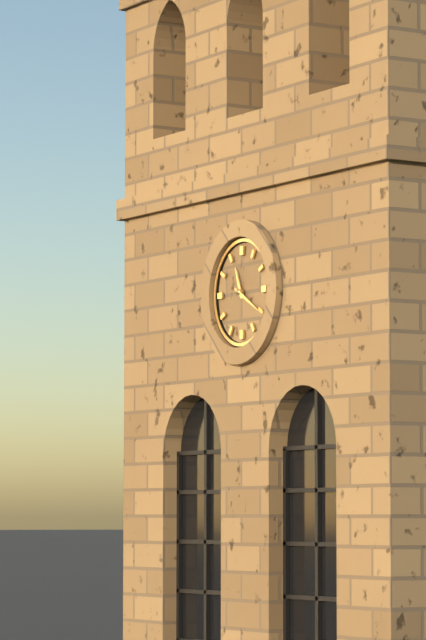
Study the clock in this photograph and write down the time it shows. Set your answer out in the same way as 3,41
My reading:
11,20
